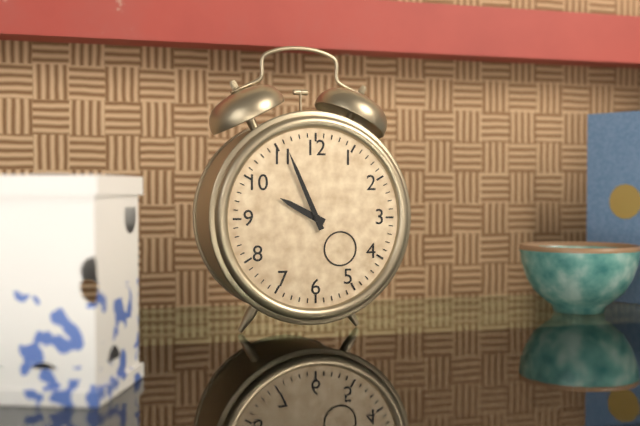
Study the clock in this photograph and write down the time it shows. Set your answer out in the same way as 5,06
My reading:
9,56
